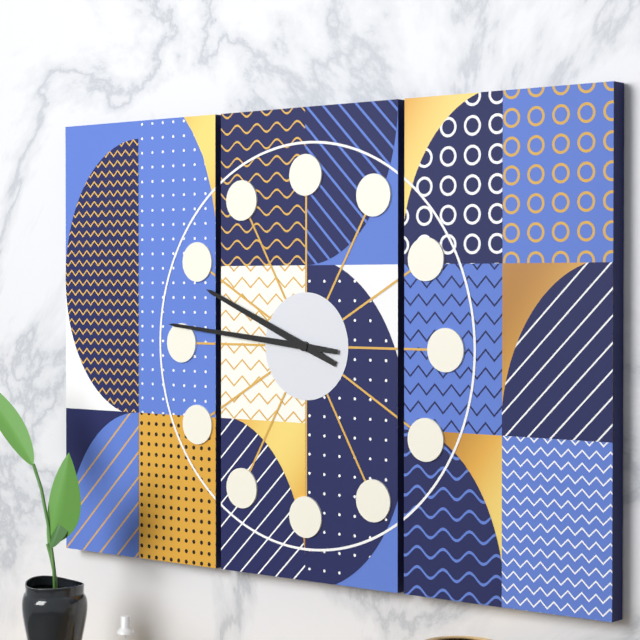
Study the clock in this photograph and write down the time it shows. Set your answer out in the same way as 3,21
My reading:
9,46
